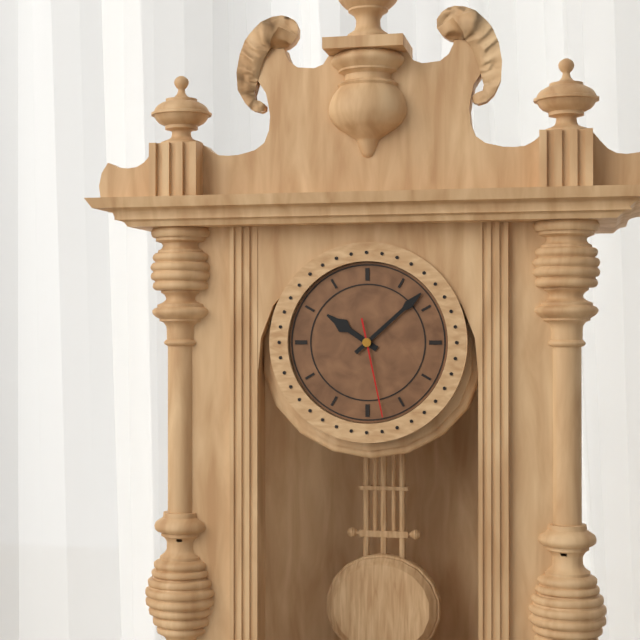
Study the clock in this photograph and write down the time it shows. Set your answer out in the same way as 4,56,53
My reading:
10,08,28
